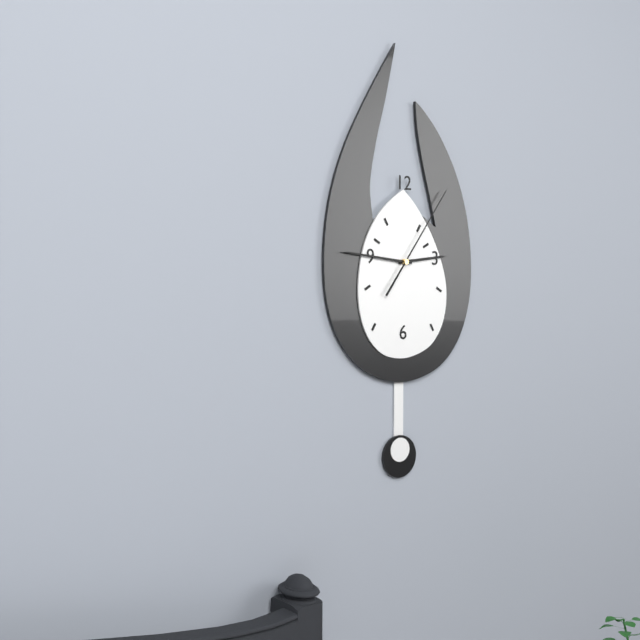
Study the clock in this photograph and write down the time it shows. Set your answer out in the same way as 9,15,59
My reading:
2,46,06
